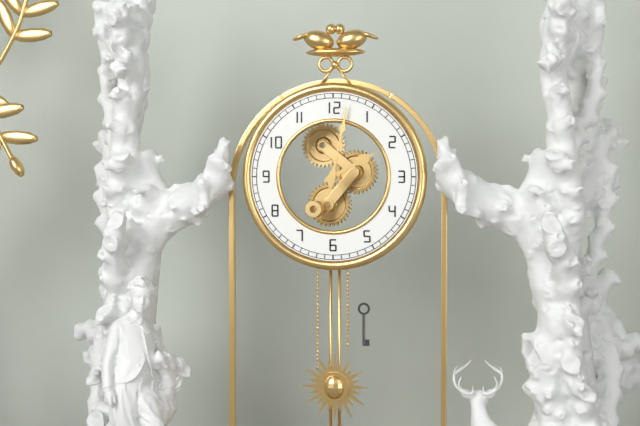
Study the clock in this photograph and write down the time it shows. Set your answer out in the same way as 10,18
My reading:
2,02
